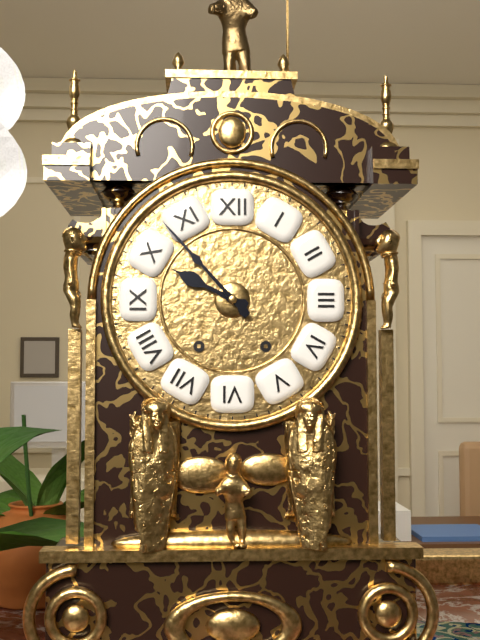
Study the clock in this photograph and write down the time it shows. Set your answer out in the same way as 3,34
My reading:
9,53
